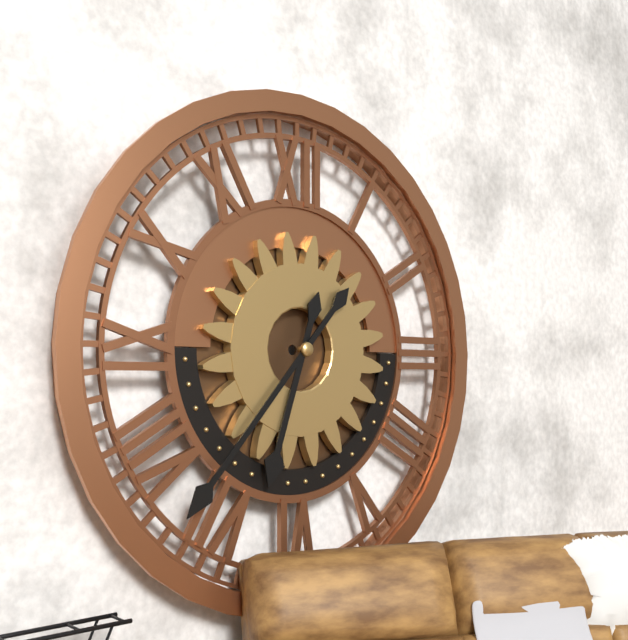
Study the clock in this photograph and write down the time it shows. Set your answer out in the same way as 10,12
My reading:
6,37
